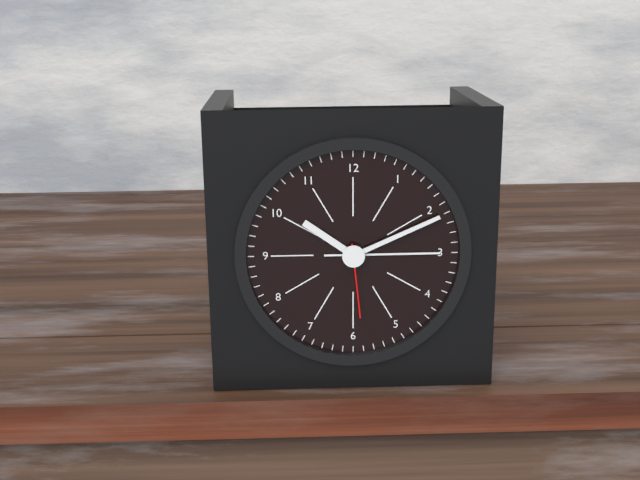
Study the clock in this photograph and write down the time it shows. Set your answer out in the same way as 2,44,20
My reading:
10,11,29
